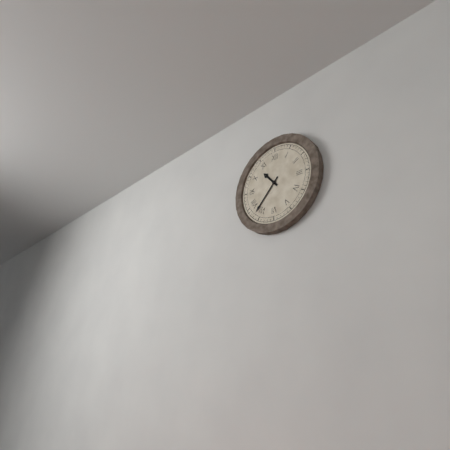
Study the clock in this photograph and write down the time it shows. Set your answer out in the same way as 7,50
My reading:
10,37
